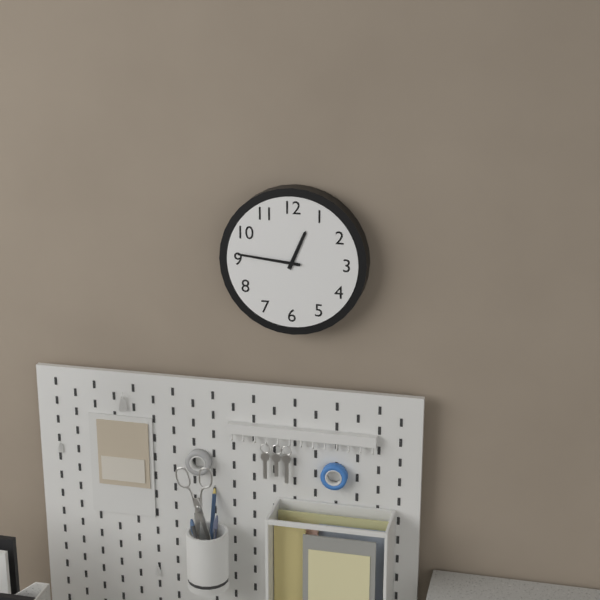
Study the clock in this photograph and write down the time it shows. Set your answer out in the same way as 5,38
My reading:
12,46
